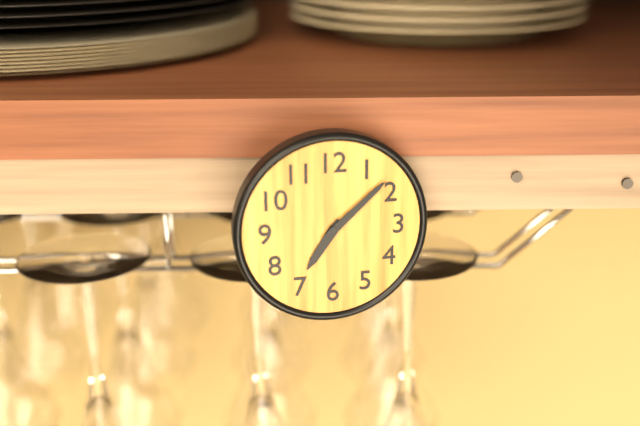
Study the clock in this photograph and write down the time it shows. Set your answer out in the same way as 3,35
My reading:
7,08
